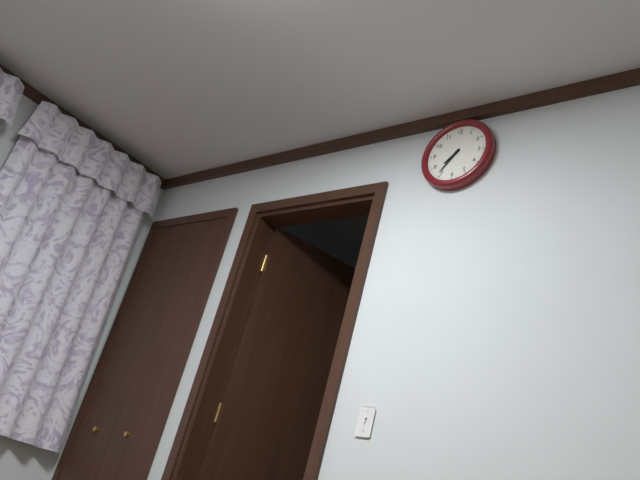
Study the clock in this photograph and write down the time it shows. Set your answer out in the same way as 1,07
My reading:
7,36
